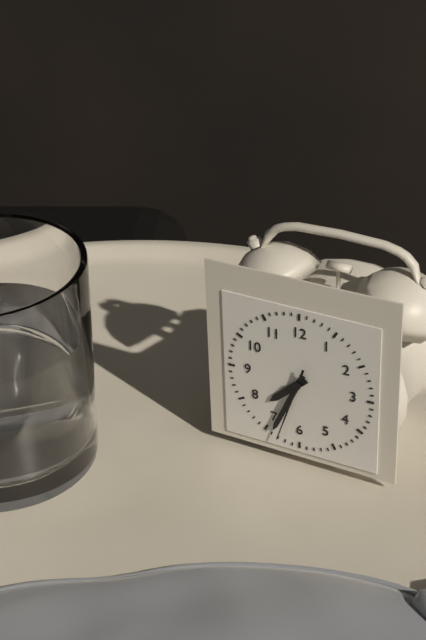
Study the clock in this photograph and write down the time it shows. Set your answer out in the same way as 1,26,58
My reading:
7,34,33
